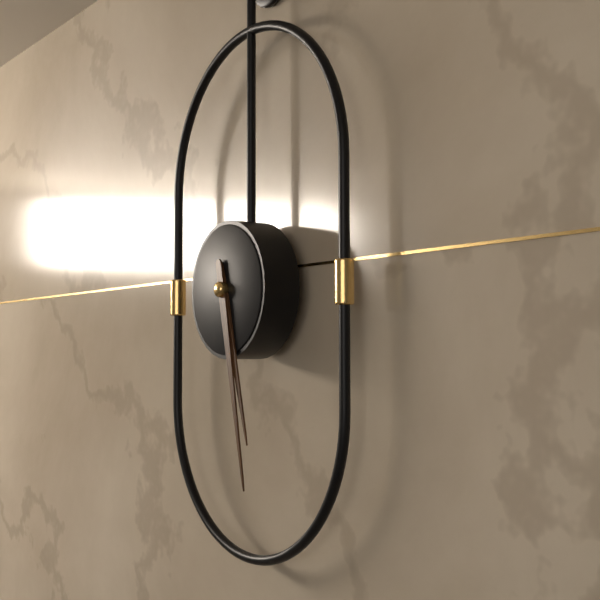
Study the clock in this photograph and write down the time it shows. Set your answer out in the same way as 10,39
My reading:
5,28
